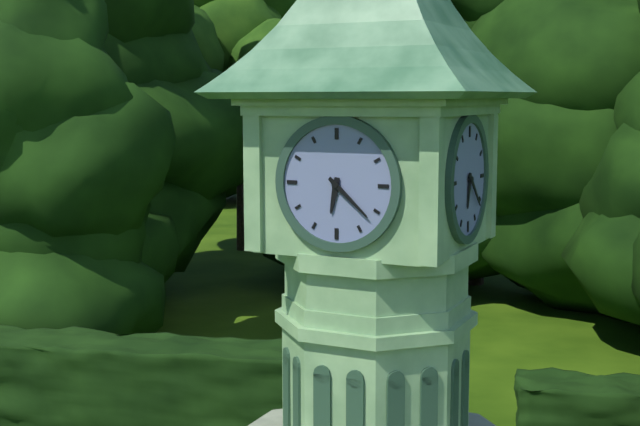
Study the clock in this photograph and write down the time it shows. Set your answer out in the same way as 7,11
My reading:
6,22
